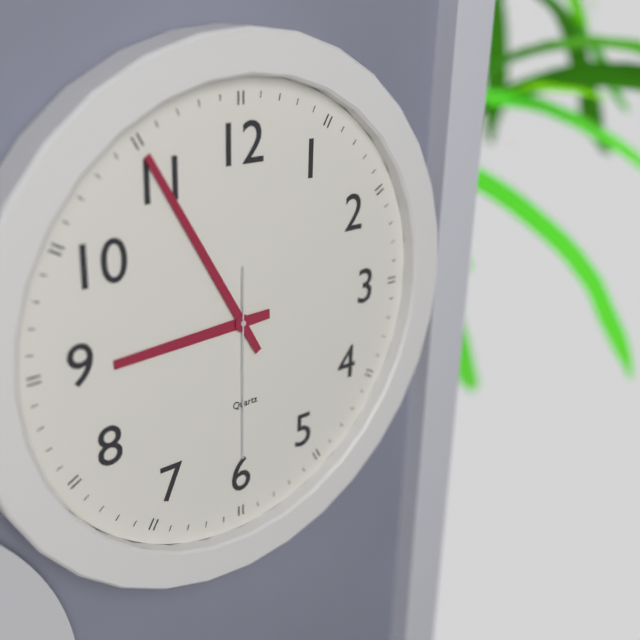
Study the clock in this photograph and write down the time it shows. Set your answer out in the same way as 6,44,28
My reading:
8,55,30
